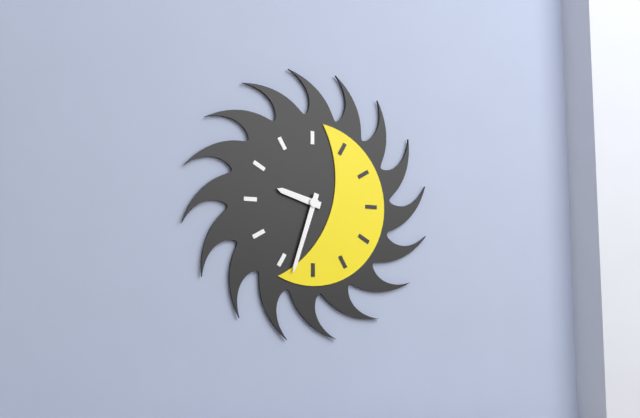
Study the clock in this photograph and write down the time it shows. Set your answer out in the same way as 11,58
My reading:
9,33
